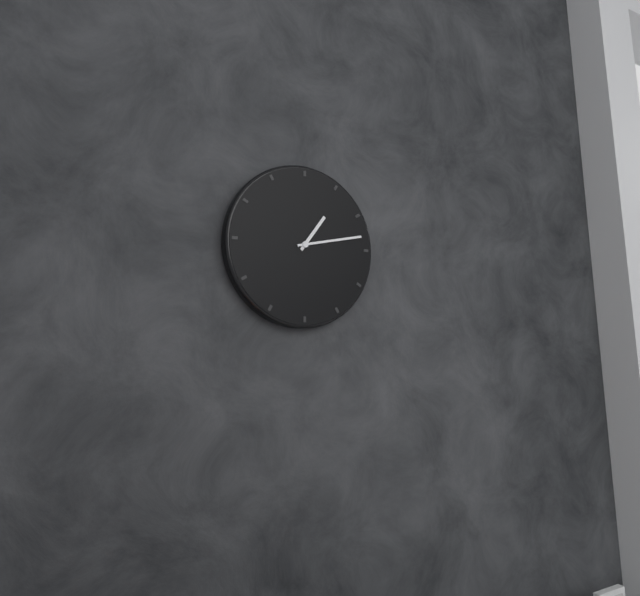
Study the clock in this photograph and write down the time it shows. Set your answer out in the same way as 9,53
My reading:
1,13
